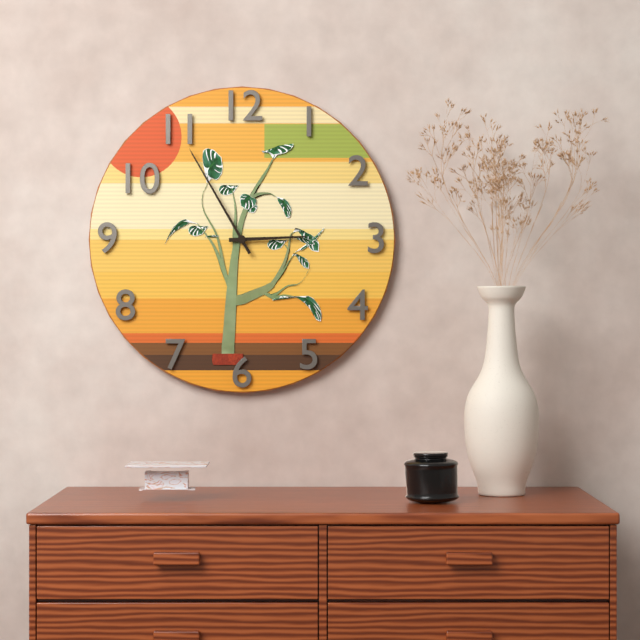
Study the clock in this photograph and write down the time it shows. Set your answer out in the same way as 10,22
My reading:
2,55
